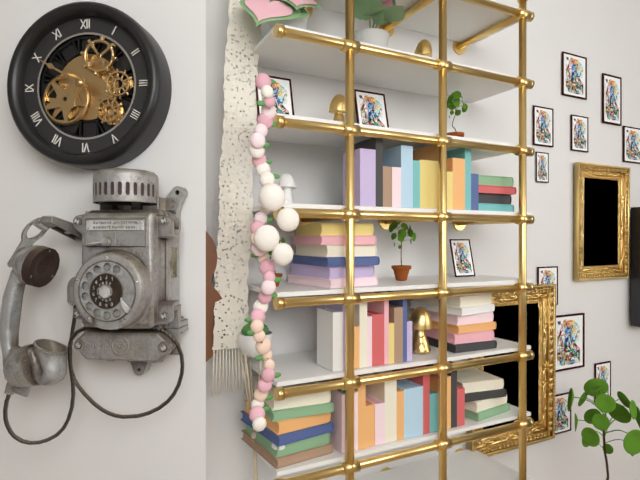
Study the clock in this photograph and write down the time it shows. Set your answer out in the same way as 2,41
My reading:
6,50
